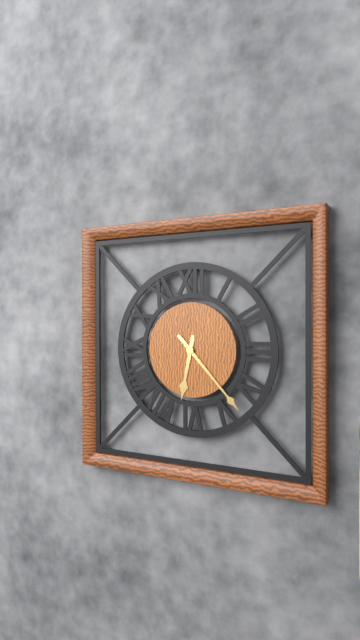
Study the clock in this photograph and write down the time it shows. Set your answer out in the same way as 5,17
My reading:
6,23
